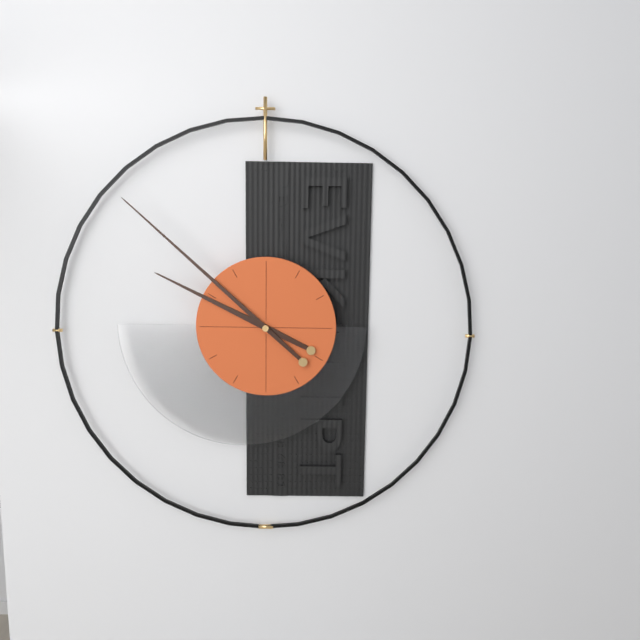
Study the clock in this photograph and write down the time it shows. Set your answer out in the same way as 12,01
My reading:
9,52
